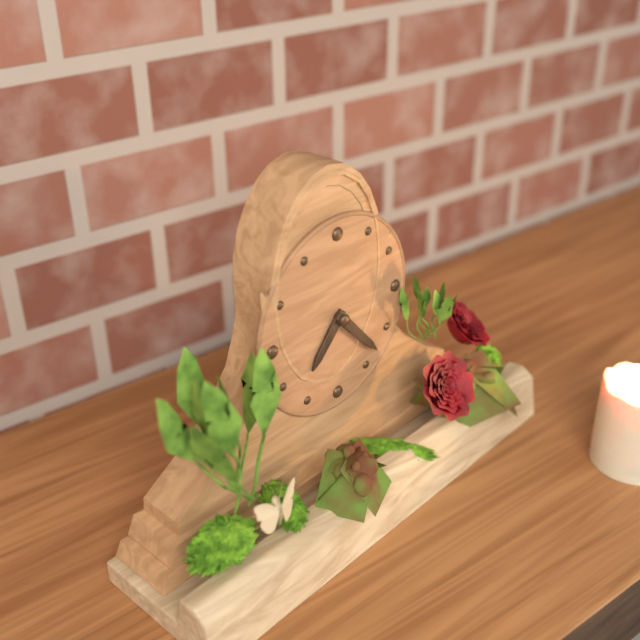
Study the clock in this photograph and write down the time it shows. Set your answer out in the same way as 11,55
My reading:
7,23
